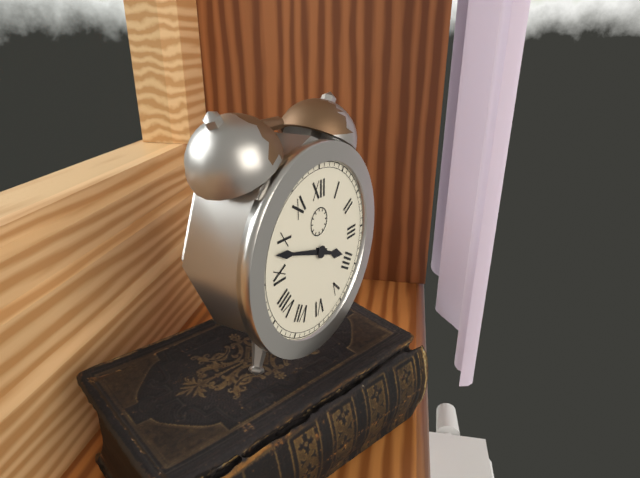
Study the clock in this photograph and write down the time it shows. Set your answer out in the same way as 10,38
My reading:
3,48
